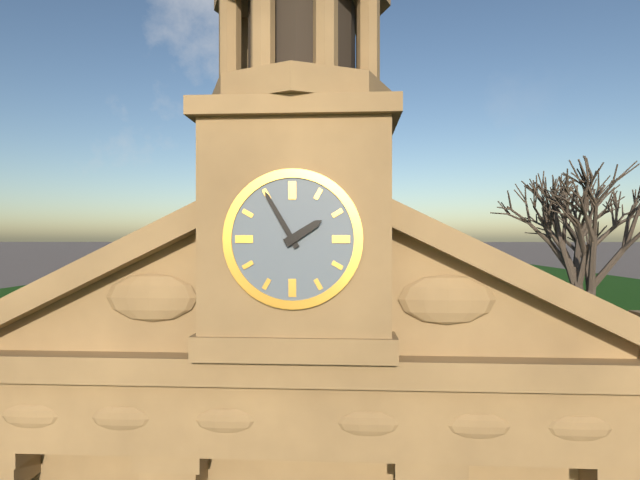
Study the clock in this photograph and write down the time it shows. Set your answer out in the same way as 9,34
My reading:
1,55
